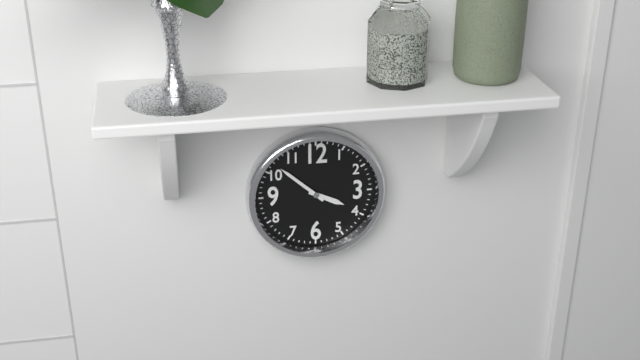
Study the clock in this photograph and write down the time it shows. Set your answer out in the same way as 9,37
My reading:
3,52
